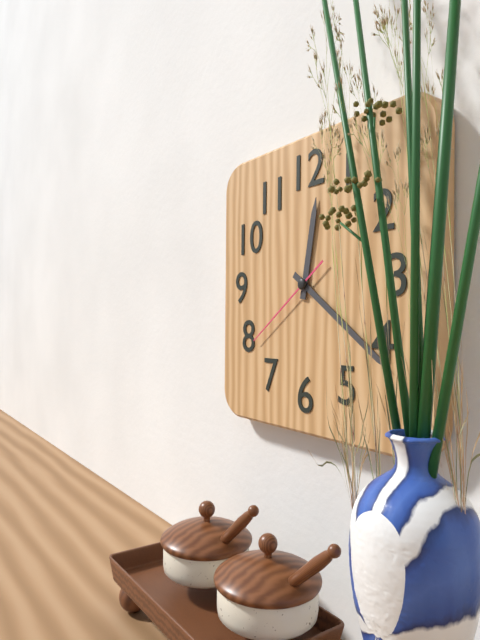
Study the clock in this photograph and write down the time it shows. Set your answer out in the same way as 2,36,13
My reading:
12,21,39
